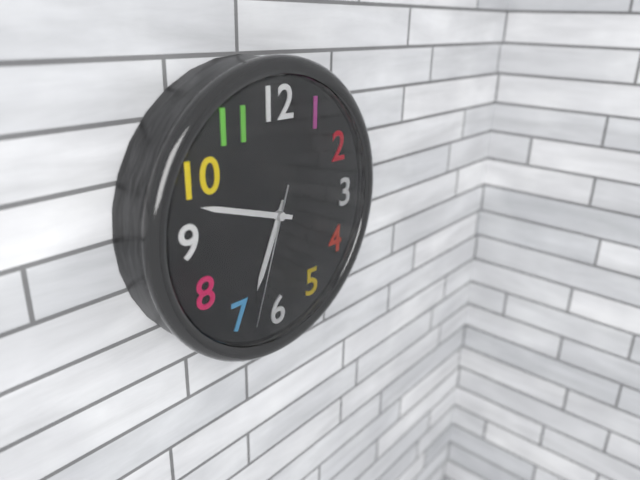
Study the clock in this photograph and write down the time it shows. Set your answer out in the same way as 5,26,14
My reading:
6,48,33
